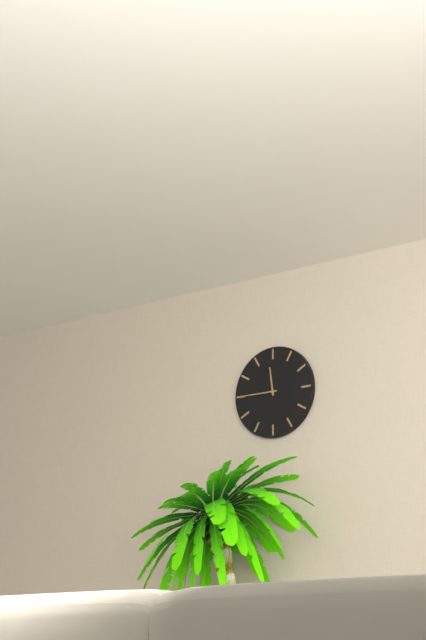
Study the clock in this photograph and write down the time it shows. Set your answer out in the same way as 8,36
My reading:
11,45
